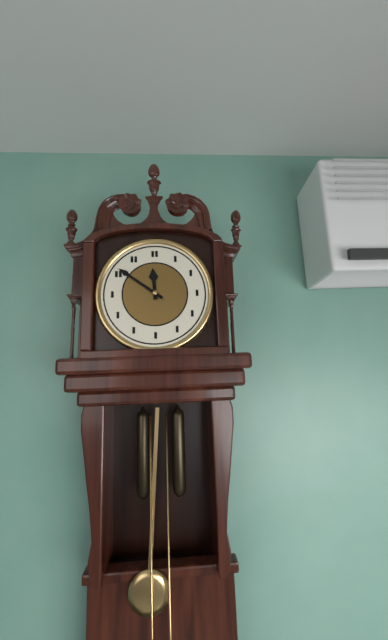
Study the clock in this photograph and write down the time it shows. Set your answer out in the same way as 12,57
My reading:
11,51
